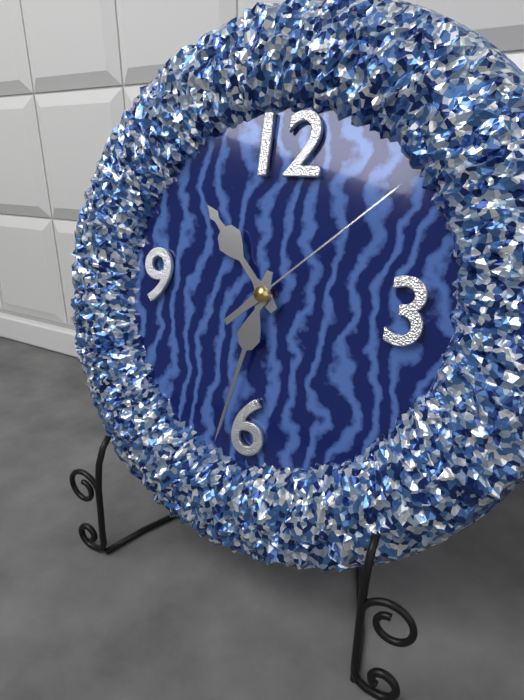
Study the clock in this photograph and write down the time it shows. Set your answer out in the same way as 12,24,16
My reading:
10,32,08
